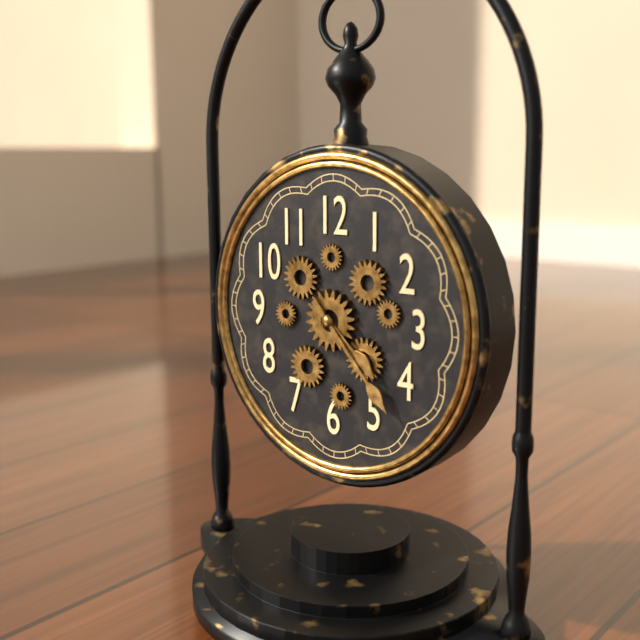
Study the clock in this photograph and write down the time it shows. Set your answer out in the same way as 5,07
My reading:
4,23
